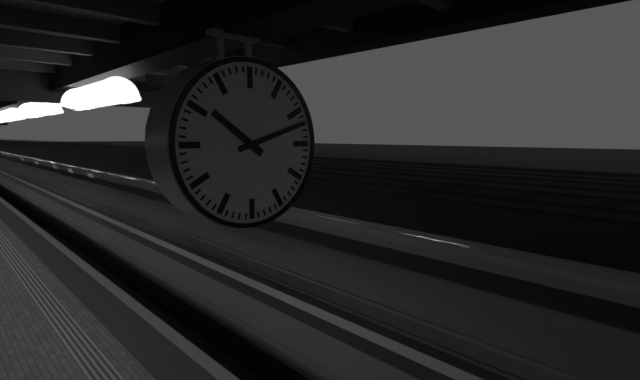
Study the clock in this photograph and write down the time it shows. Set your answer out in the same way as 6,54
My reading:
10,12
